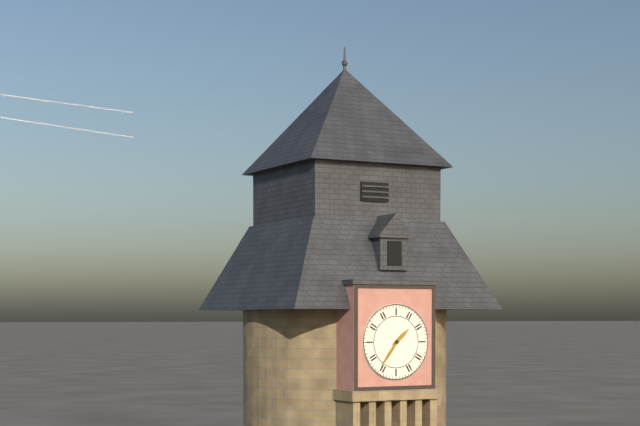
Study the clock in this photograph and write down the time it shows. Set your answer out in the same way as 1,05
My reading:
1,36
